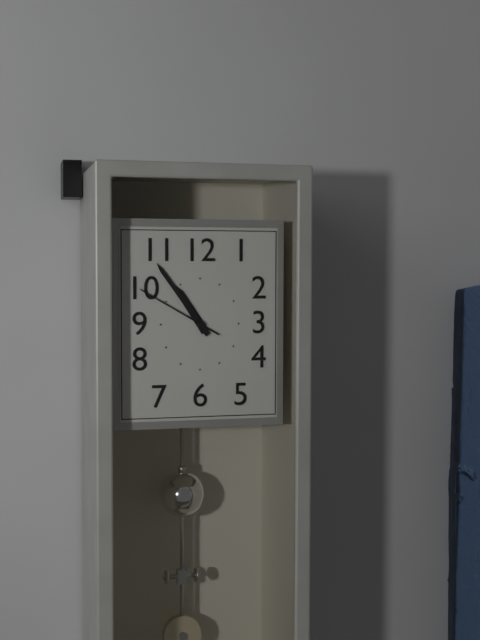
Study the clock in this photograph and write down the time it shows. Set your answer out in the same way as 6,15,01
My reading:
10,54,50
